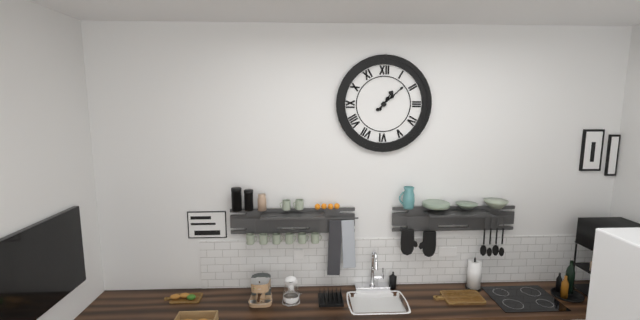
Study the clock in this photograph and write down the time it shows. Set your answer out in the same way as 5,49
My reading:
1,08
